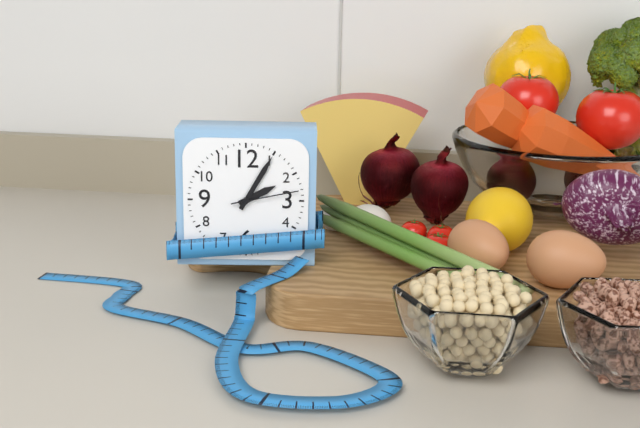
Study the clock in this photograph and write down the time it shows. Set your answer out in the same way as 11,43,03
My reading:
2,05,13
